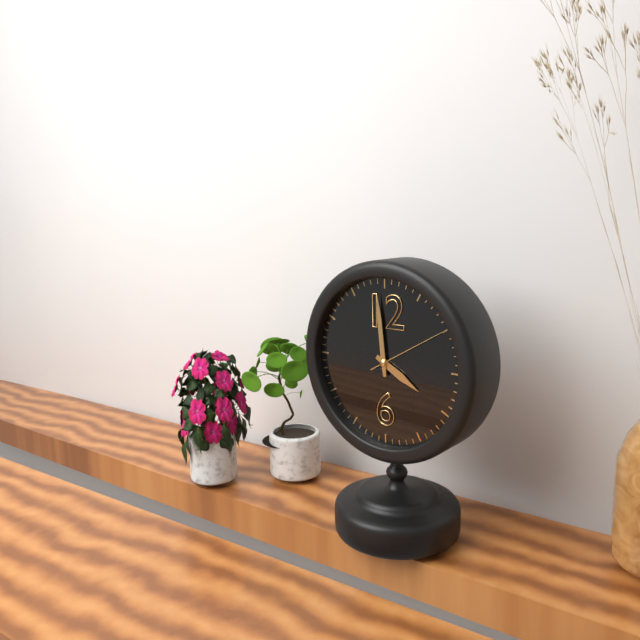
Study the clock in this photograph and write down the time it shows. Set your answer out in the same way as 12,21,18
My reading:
3,59,10
